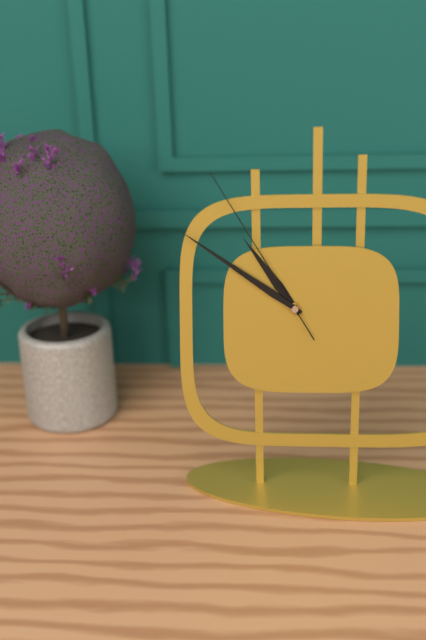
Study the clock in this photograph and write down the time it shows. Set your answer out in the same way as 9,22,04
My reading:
10,51,55
